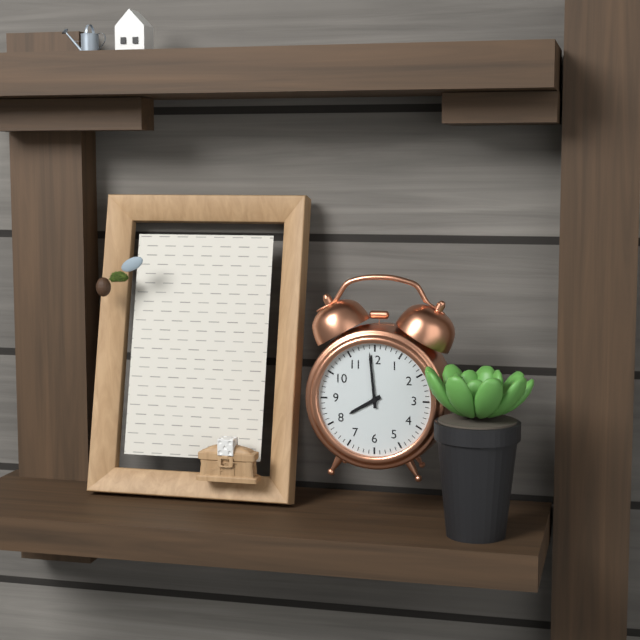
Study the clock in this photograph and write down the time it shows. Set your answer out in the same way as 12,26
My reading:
7,59
